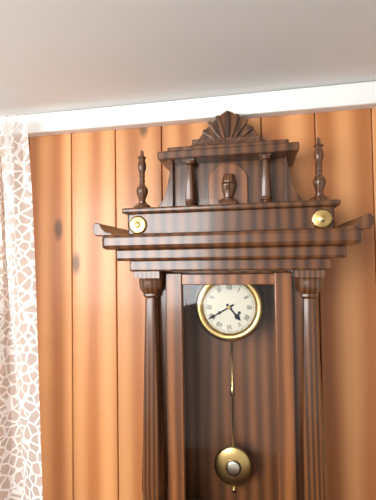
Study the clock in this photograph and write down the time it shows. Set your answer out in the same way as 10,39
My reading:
4,40
